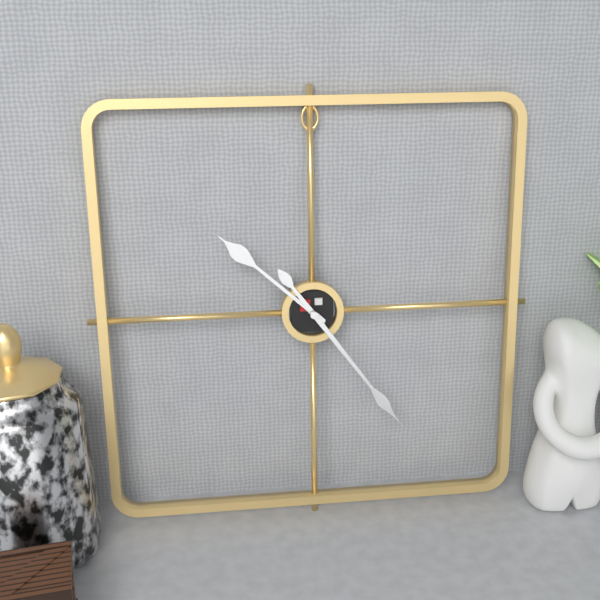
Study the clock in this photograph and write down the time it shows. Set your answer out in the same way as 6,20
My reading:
10,24
